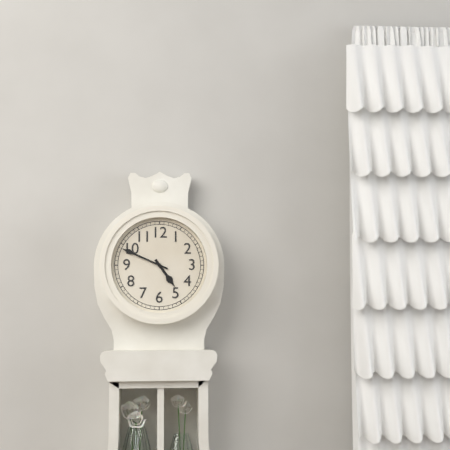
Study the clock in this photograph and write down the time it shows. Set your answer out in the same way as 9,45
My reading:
4,49
